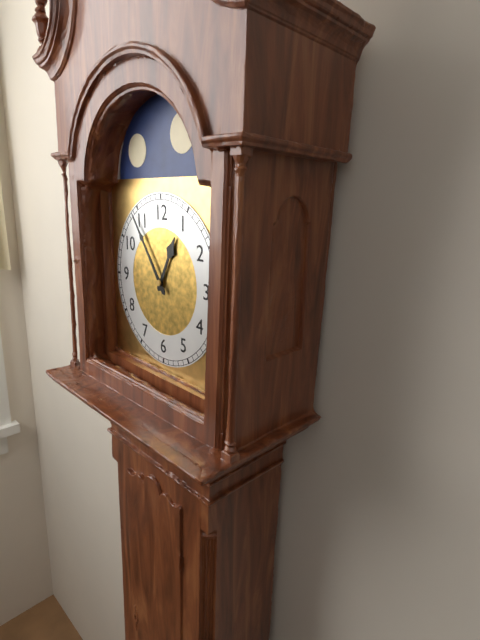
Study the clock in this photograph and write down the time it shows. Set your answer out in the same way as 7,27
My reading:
12,54
